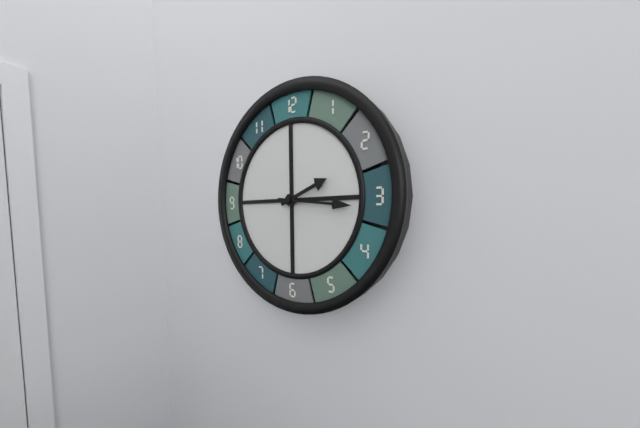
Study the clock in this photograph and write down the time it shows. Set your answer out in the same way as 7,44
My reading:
2,16
